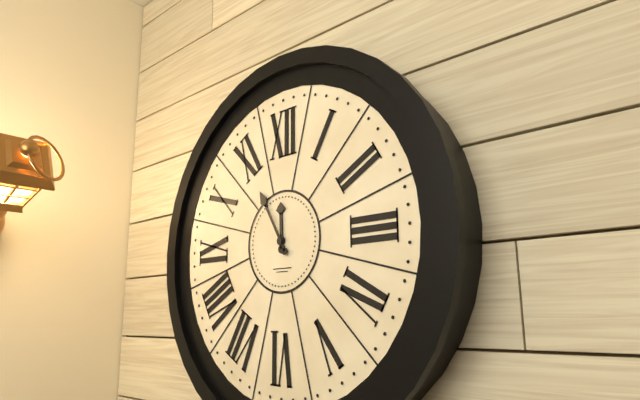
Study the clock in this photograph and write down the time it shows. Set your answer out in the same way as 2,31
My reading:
11,55
